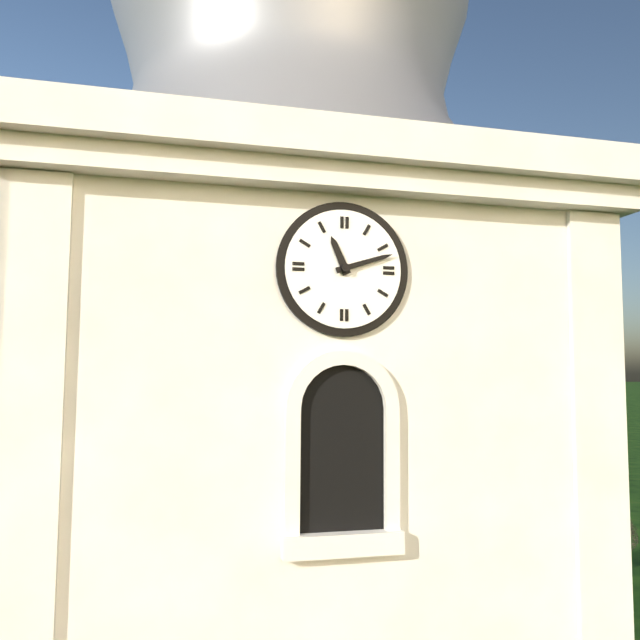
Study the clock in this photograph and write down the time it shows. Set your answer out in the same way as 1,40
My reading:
11,12
